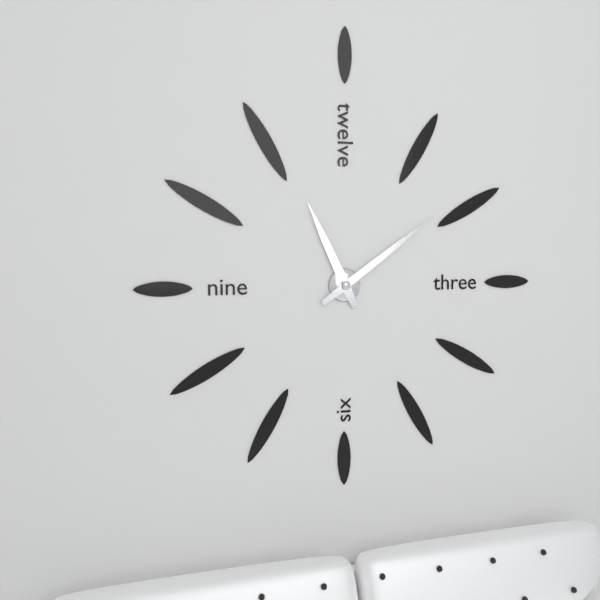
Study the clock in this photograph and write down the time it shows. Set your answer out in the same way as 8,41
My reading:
11,09
